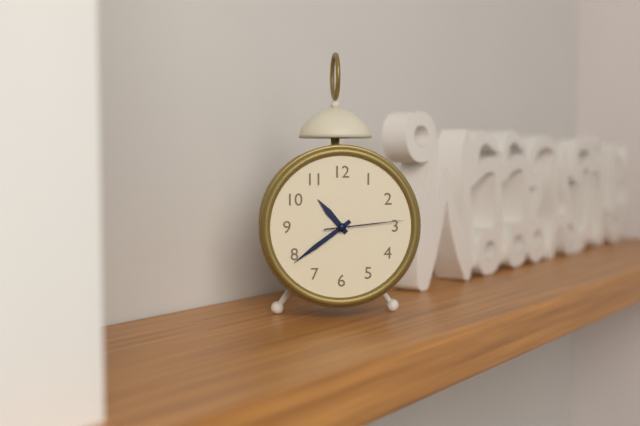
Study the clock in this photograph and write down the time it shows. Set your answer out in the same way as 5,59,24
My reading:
10,39,14
